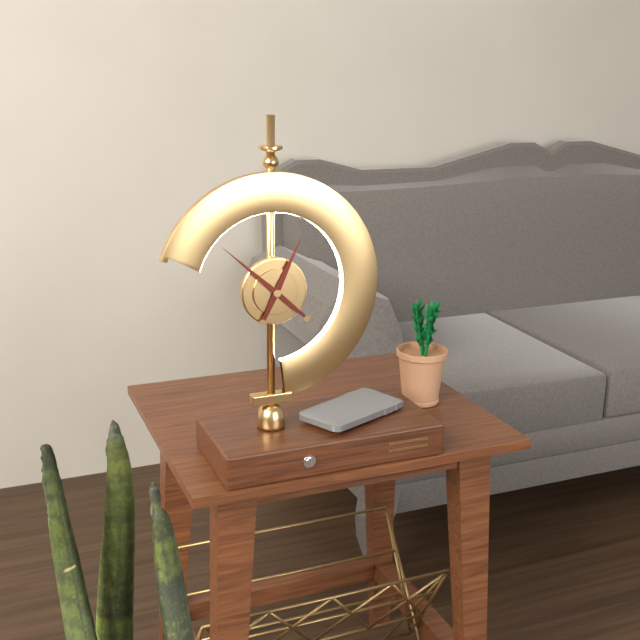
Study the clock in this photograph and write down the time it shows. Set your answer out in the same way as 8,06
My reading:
12,52
